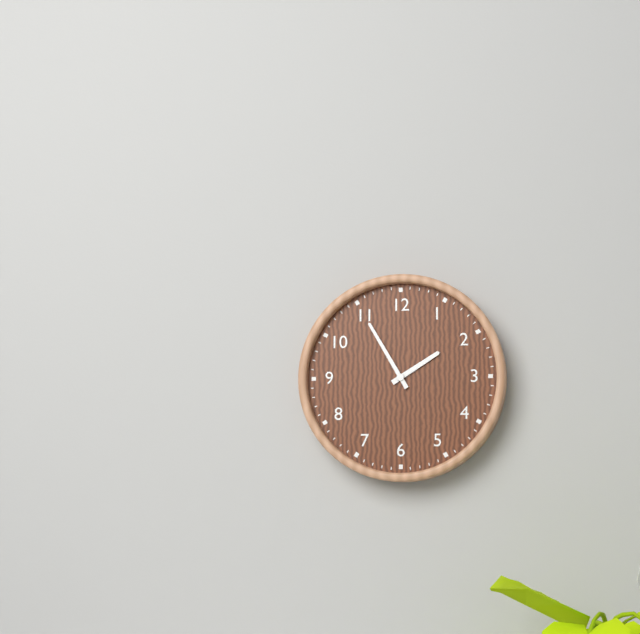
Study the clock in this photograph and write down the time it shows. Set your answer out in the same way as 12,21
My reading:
1,55
